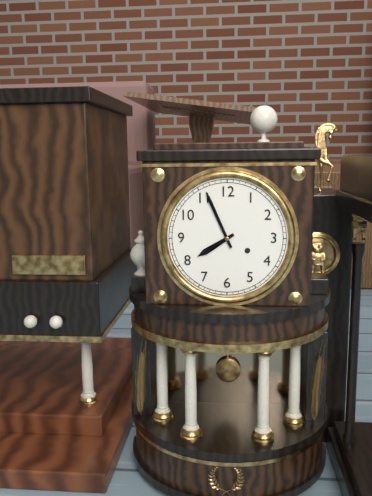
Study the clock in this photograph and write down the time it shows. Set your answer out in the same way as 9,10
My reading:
7,56
